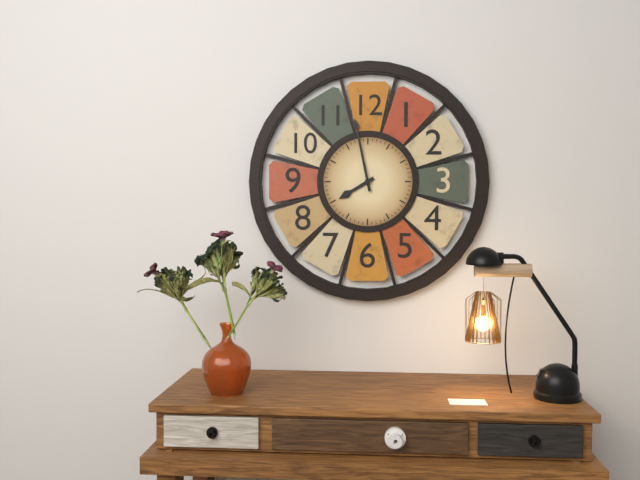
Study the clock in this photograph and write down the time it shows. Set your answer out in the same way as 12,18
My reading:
7,58
